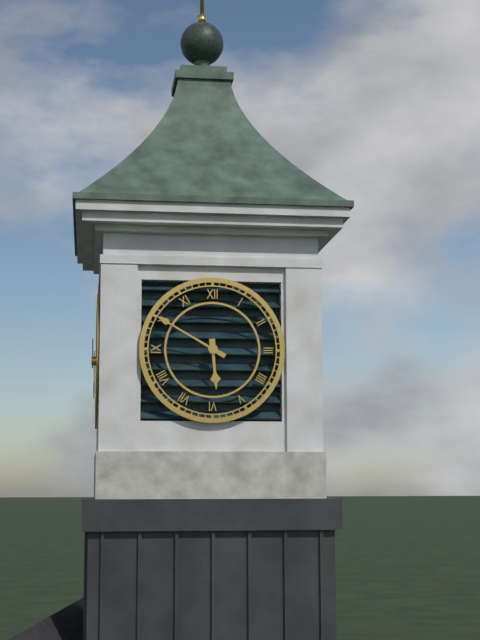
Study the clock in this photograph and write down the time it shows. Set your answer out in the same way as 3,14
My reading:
5,50
